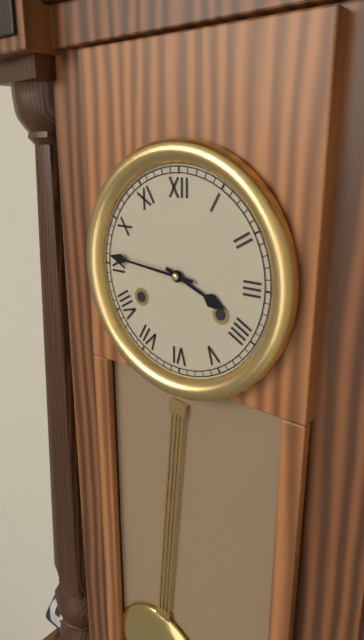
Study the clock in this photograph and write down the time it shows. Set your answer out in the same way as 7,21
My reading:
3,46
